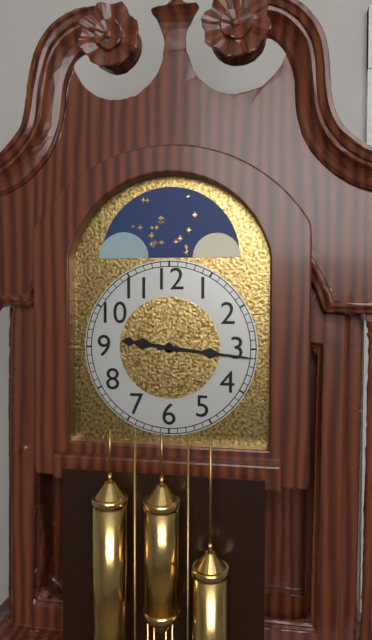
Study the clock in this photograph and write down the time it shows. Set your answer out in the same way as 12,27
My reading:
9,16
